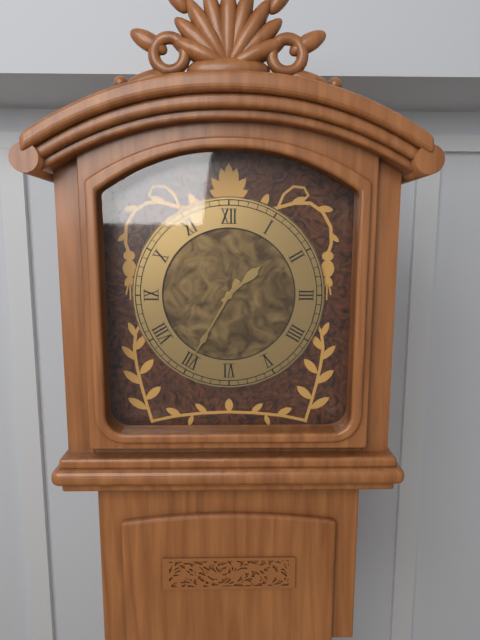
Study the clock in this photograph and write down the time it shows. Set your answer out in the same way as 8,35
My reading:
1,35
